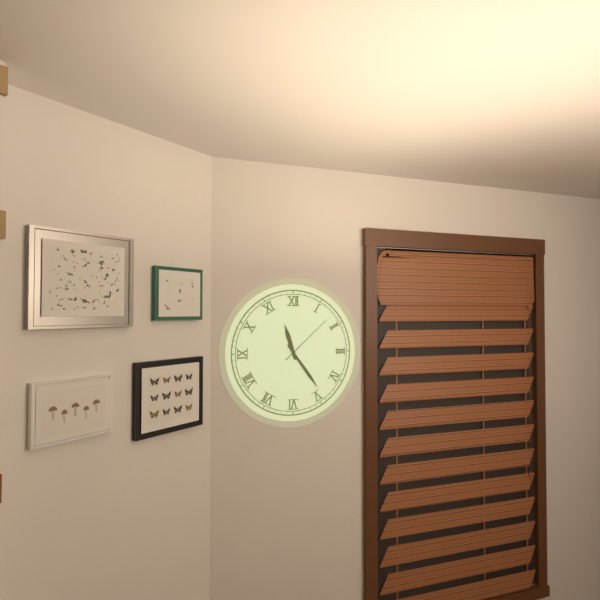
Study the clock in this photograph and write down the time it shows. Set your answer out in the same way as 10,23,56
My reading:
11,24,08
